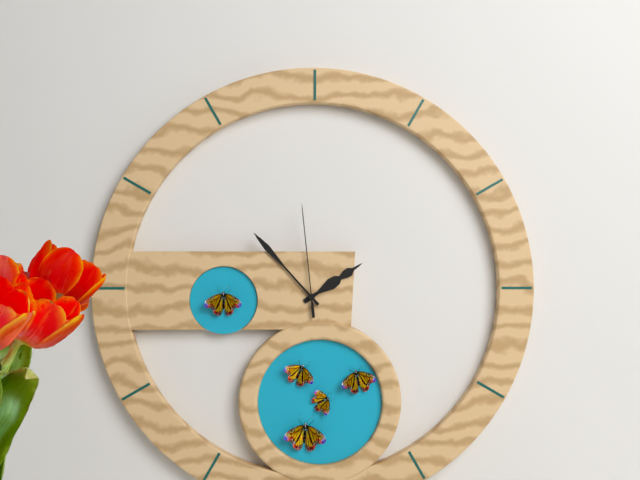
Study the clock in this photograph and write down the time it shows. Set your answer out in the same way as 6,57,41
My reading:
1,53,59
